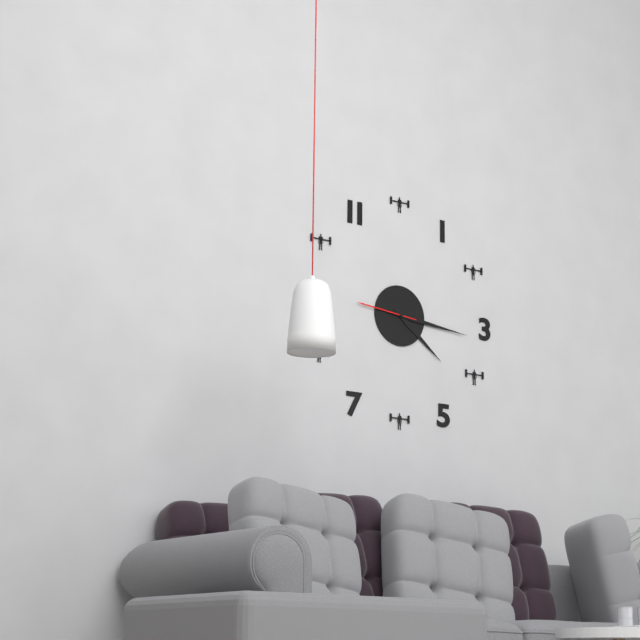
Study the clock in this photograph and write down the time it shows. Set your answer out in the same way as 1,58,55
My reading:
4,16,46
